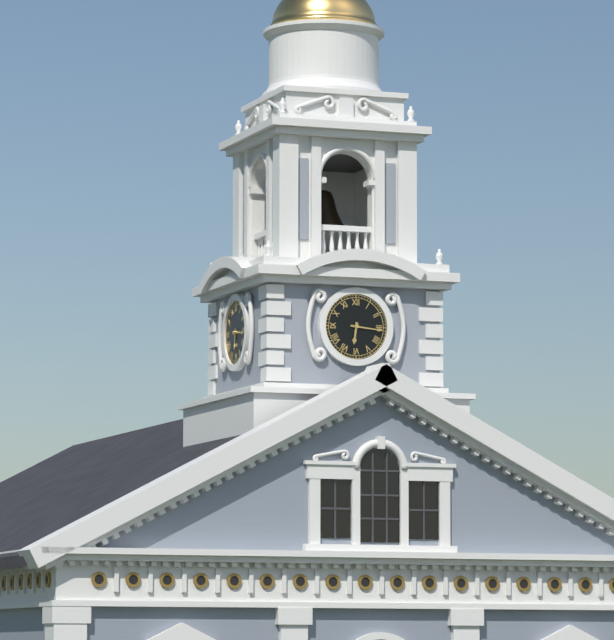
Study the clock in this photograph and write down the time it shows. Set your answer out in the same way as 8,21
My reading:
6,16
